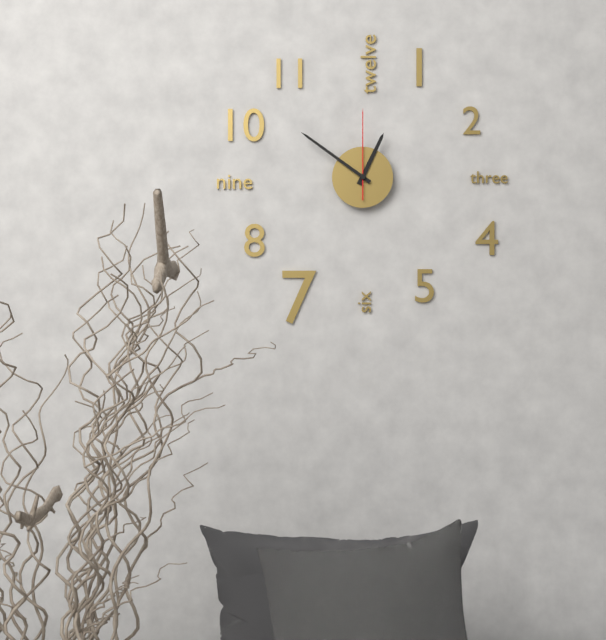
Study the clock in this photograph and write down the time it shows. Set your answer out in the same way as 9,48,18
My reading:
12,51,00
